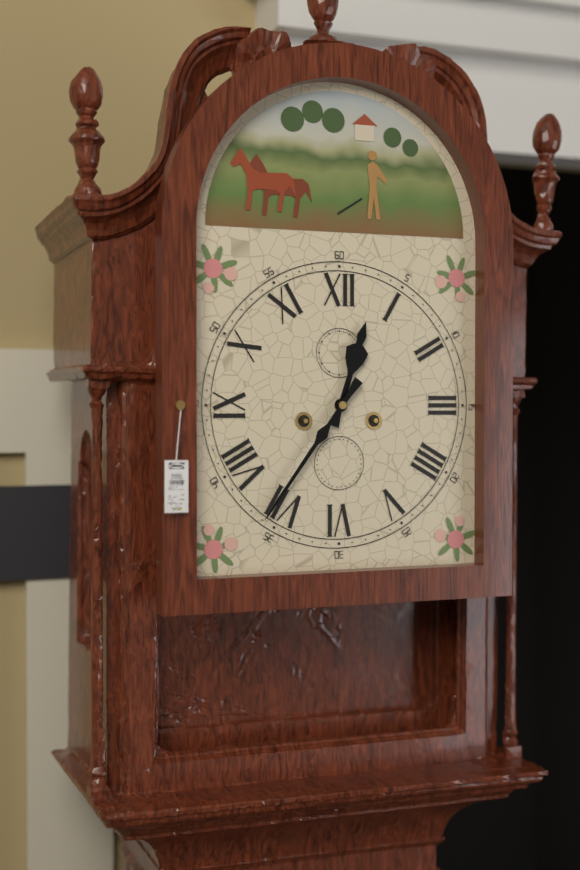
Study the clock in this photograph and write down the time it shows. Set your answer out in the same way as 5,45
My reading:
12,36
